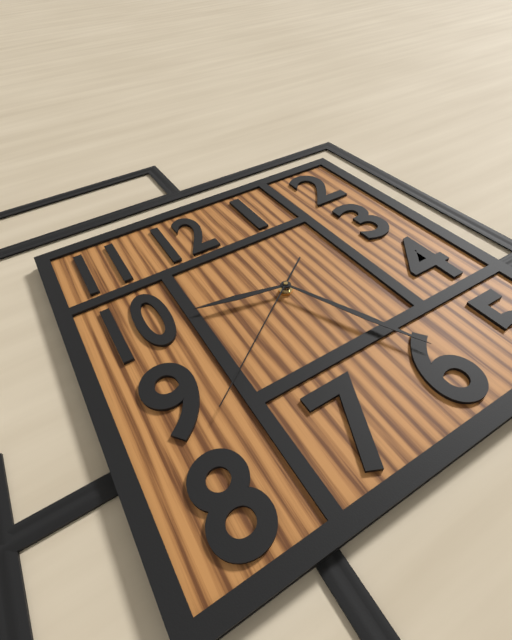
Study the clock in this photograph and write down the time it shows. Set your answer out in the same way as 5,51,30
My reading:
9,26,39
